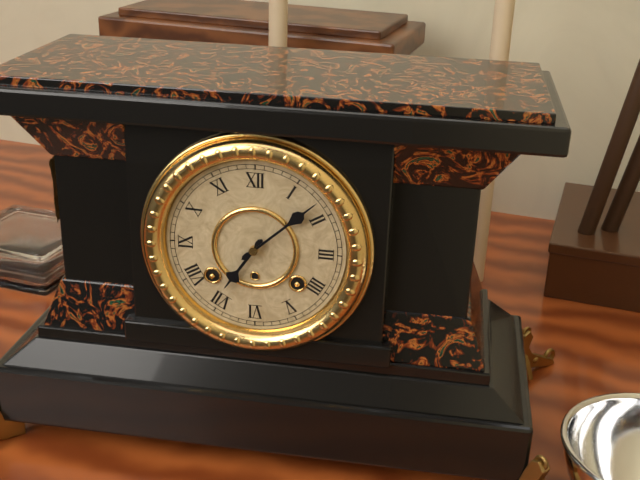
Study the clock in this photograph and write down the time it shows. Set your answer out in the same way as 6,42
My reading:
7,08
